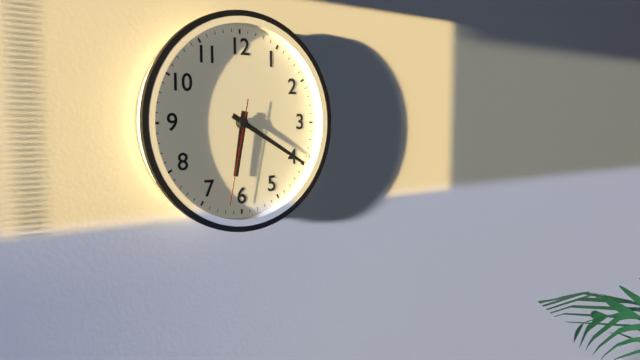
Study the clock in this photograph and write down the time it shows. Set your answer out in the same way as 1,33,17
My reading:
6,20,32
